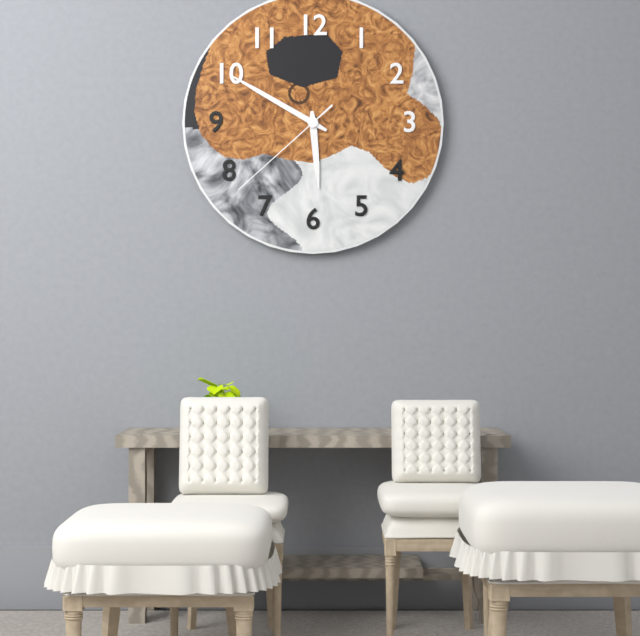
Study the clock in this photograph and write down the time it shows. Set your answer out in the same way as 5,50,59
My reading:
5,50,38
